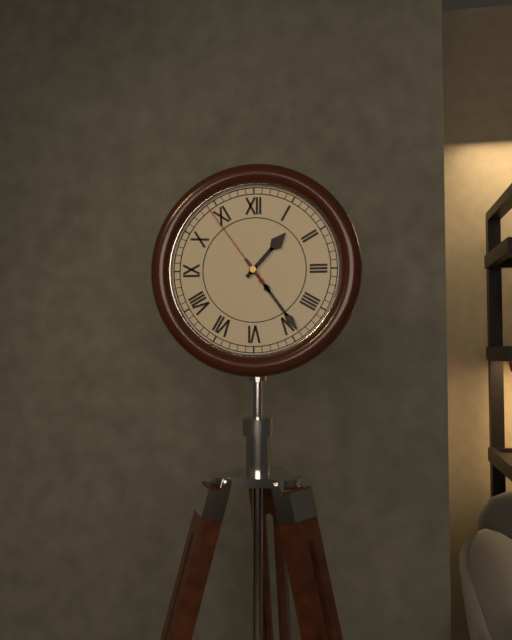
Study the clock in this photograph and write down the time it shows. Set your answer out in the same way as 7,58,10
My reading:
1,24,54
